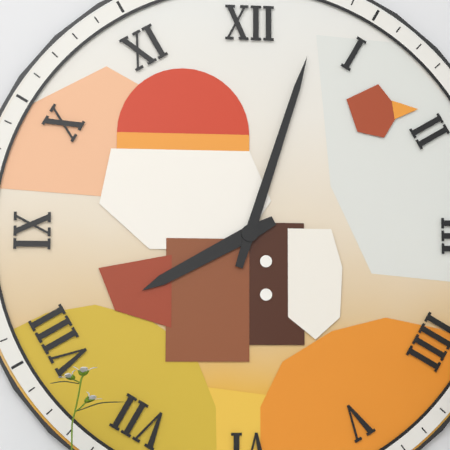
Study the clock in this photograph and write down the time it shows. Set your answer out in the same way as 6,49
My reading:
8,03
